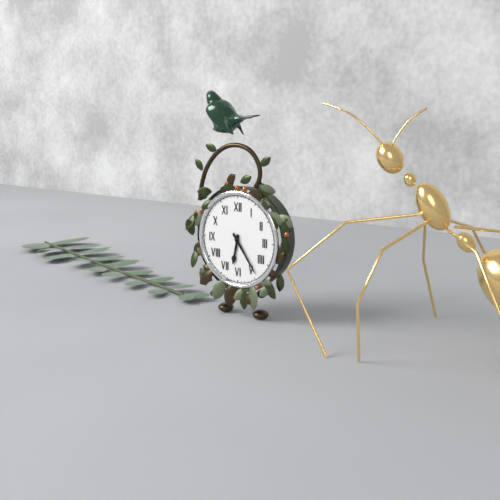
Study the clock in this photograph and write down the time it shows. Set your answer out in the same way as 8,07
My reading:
6,24
